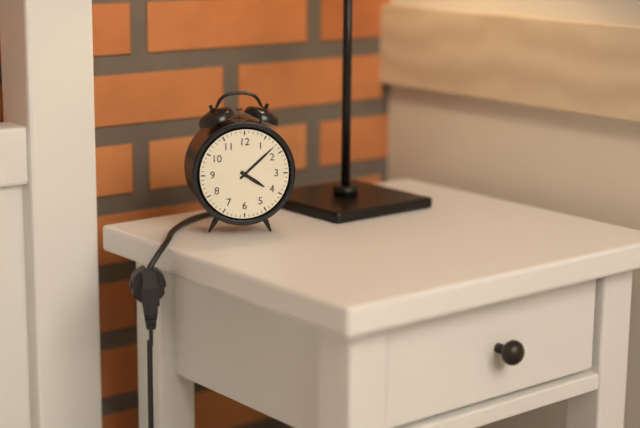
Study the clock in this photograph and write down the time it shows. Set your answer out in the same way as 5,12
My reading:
4,08
